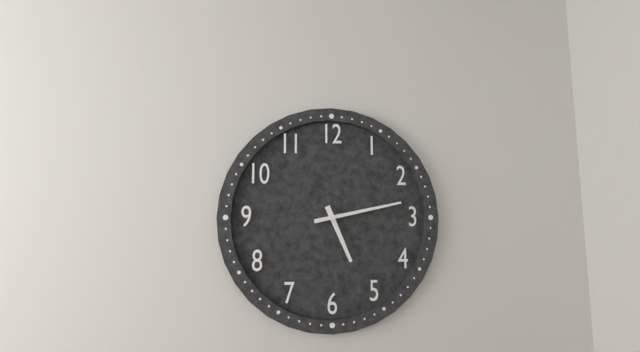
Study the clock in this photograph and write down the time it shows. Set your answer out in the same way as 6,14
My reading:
5,13
